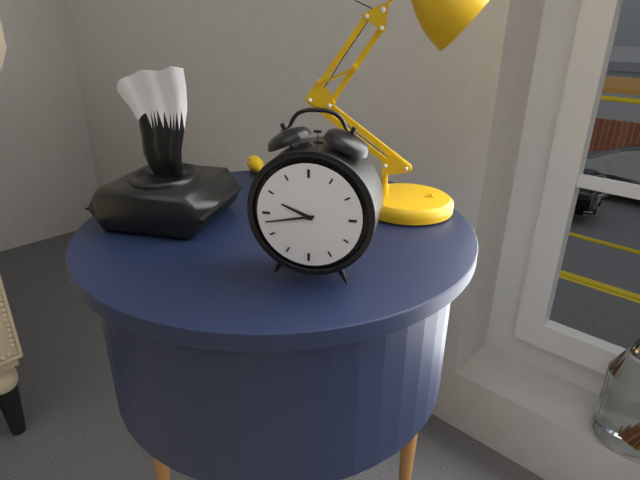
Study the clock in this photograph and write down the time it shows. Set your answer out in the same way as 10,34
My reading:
9,43
